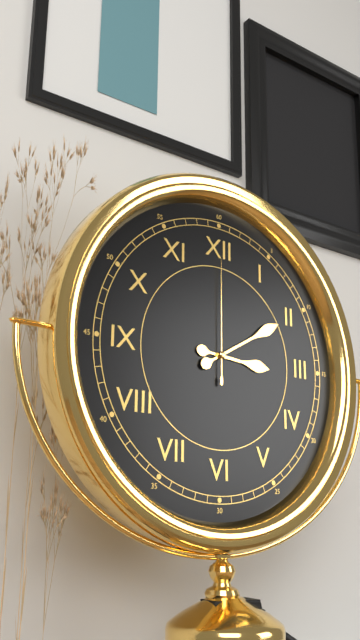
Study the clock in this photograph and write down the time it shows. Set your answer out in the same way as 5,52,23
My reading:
3,10,00
